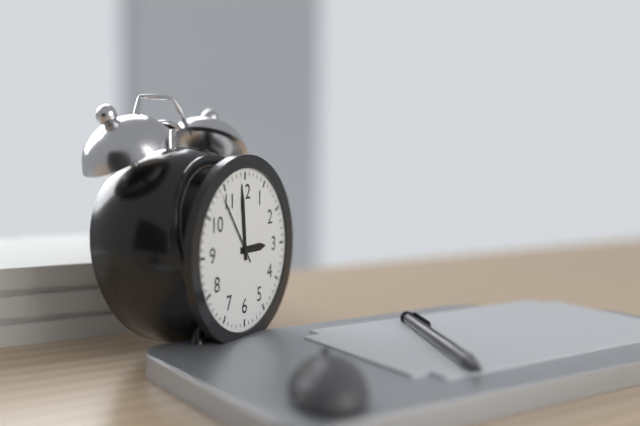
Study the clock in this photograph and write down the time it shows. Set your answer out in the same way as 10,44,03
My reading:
2,59,54
